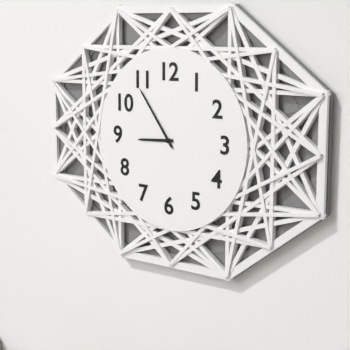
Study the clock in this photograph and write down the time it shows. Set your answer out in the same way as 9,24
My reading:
8,54
